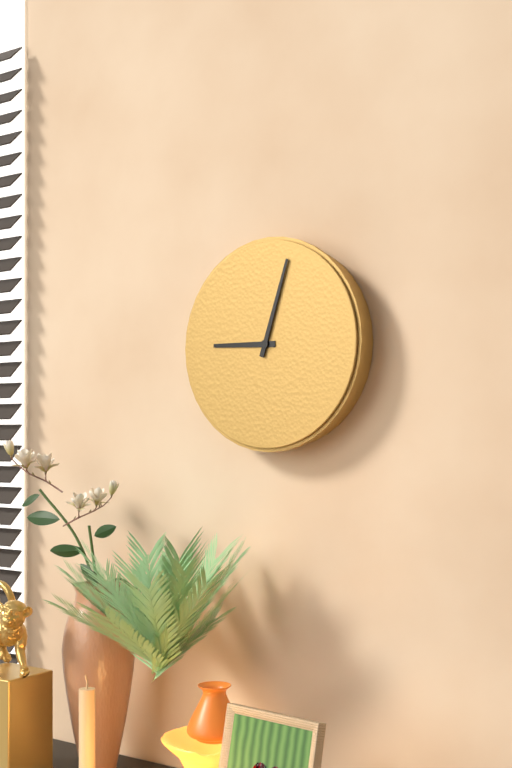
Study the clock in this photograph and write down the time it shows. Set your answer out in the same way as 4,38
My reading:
9,03
